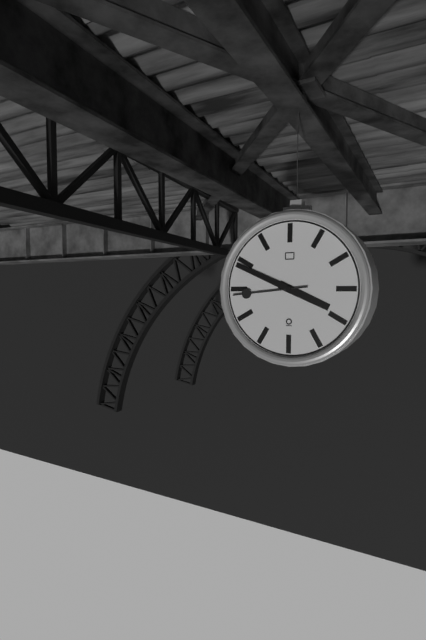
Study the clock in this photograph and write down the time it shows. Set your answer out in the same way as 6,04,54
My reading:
3,49,44
